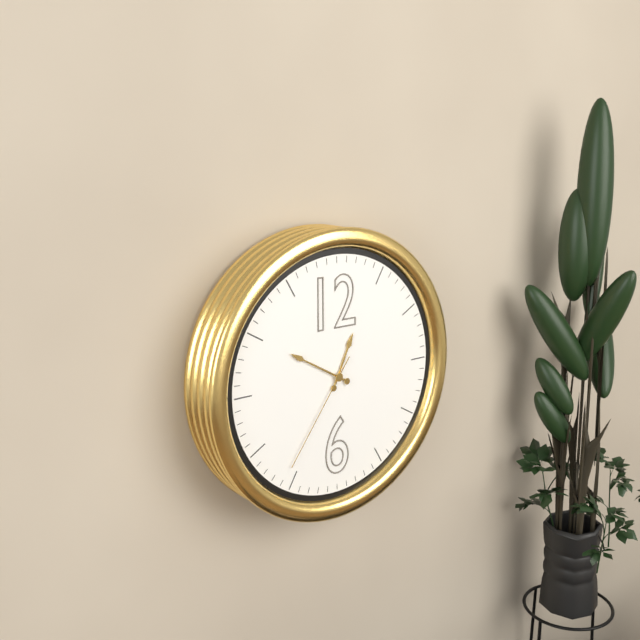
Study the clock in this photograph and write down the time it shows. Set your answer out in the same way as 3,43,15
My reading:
12,50,36
